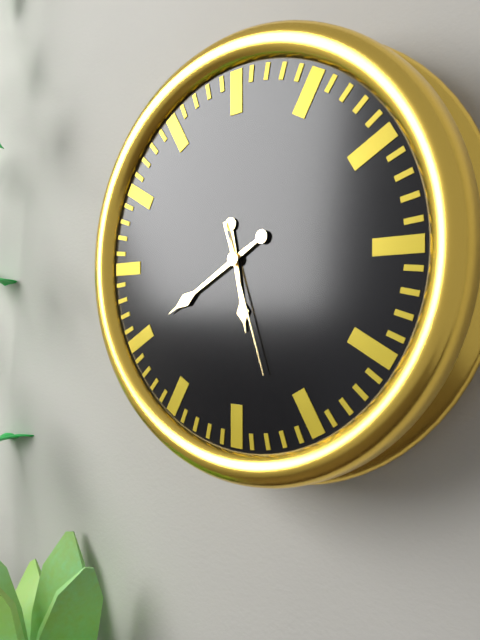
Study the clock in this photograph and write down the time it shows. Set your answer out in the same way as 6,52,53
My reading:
5,40,27
